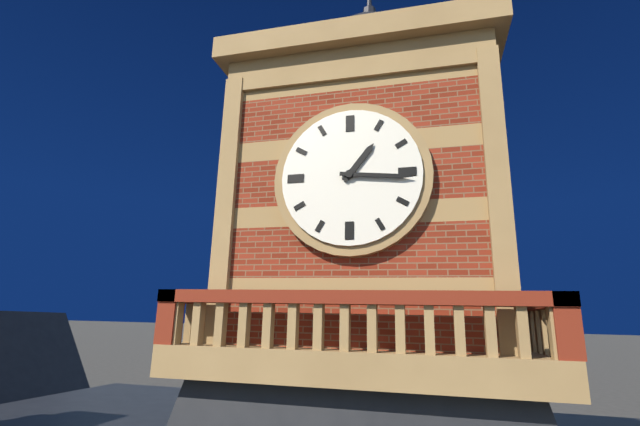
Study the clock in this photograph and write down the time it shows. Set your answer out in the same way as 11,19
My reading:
1,16
